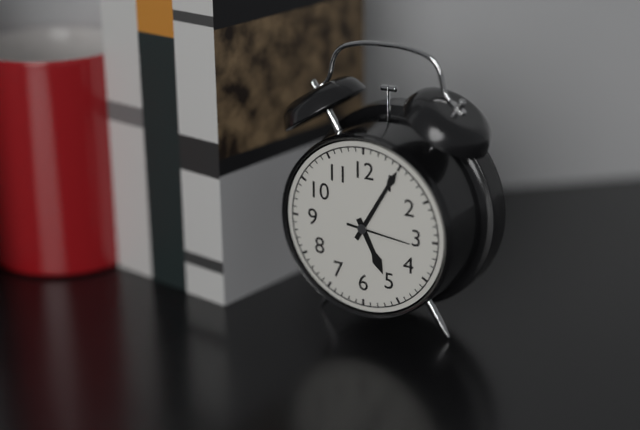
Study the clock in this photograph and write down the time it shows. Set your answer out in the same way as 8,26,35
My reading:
5,05,16
